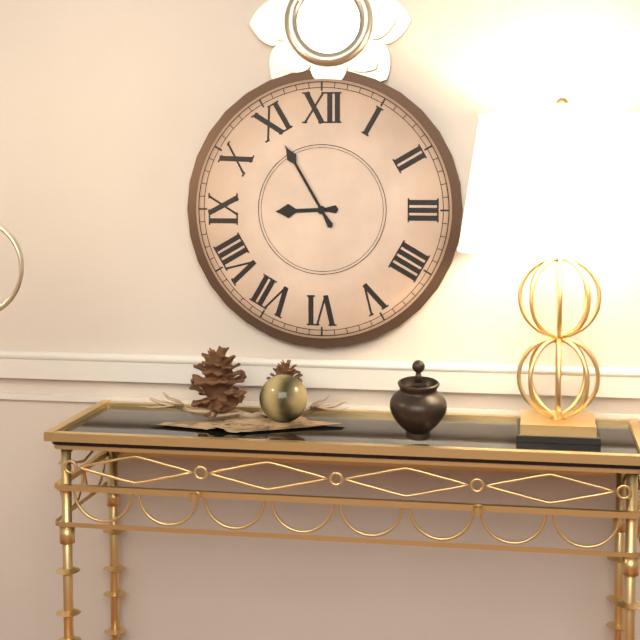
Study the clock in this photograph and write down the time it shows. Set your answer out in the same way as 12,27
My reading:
8,55
